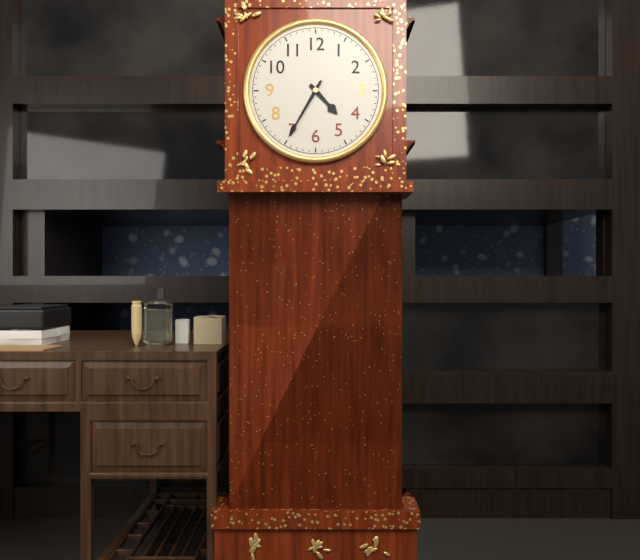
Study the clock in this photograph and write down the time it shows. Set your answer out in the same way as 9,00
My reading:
4,35
